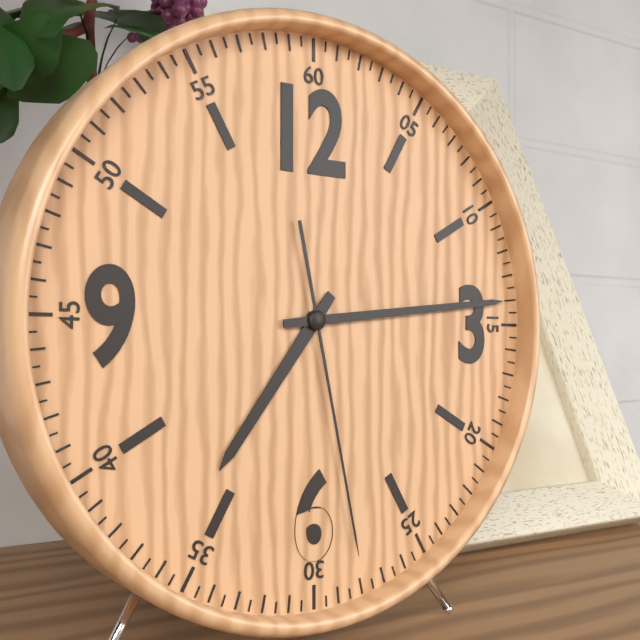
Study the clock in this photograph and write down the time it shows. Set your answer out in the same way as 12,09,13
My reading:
7,14,28
